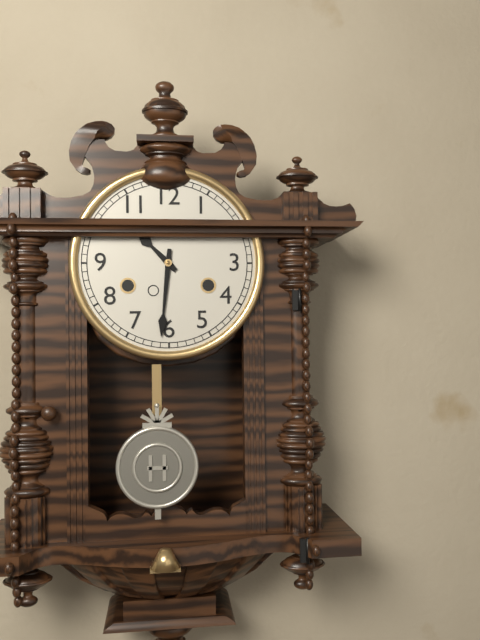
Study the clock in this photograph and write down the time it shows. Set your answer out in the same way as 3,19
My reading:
10,31
